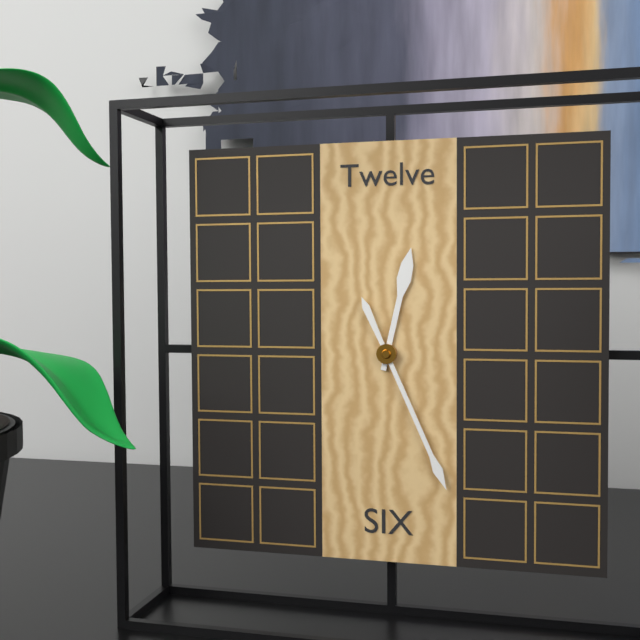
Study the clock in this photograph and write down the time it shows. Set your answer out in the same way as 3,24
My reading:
12,26
